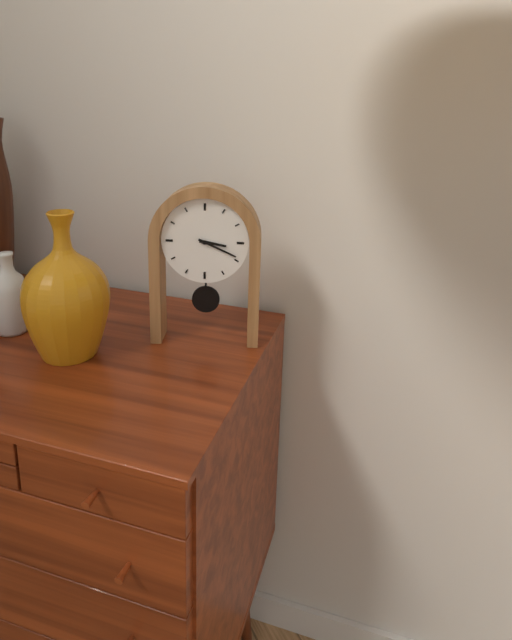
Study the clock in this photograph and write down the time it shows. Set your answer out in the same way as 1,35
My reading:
3,19
